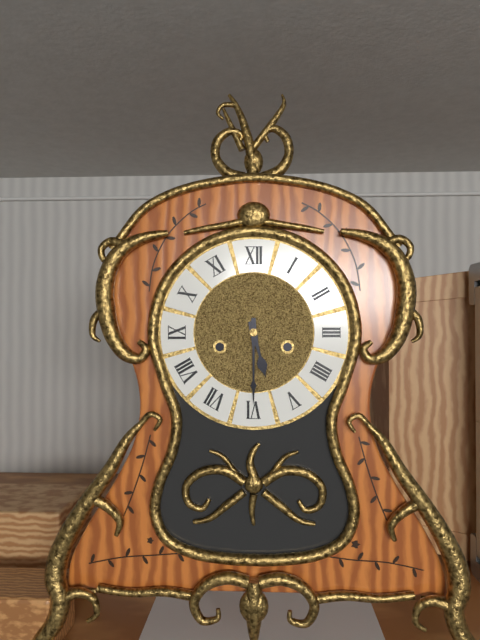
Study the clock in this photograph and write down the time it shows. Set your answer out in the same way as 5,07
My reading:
5,30
